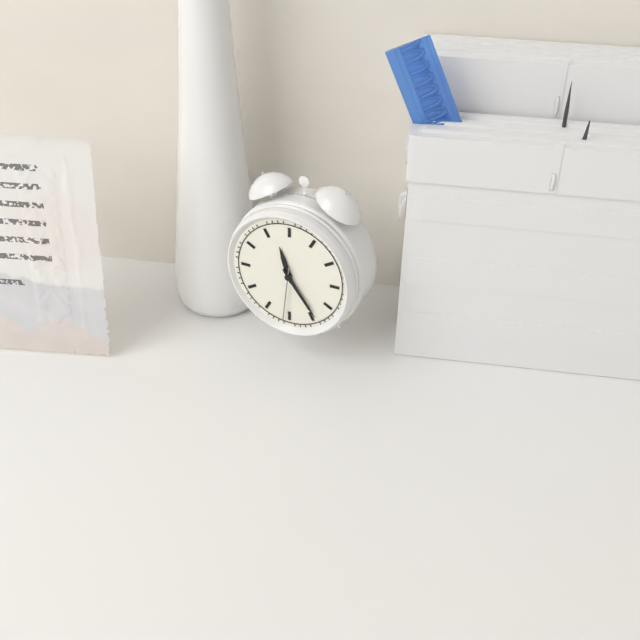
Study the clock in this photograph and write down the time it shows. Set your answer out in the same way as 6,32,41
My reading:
11,24,31
